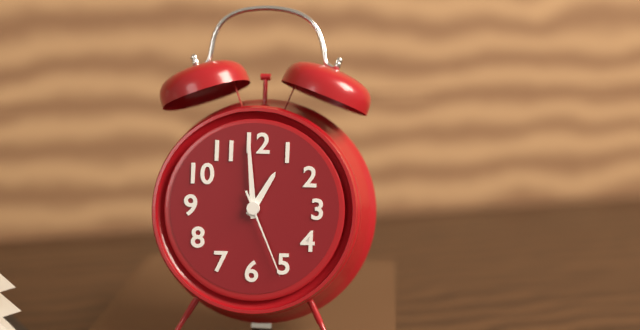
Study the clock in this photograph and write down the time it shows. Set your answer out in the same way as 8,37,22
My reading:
12,59,26
